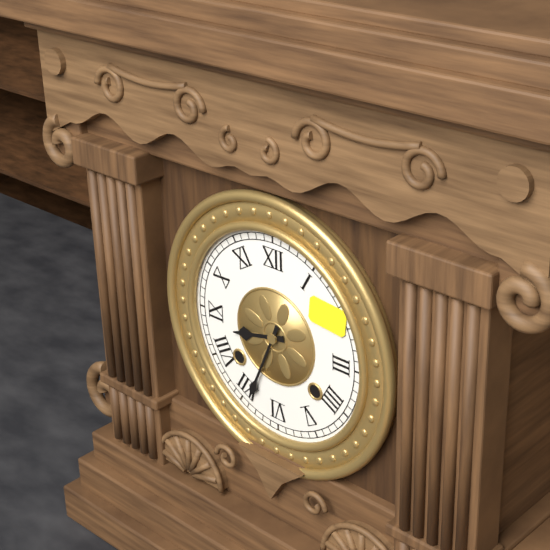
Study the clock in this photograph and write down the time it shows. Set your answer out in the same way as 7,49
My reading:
8,34
